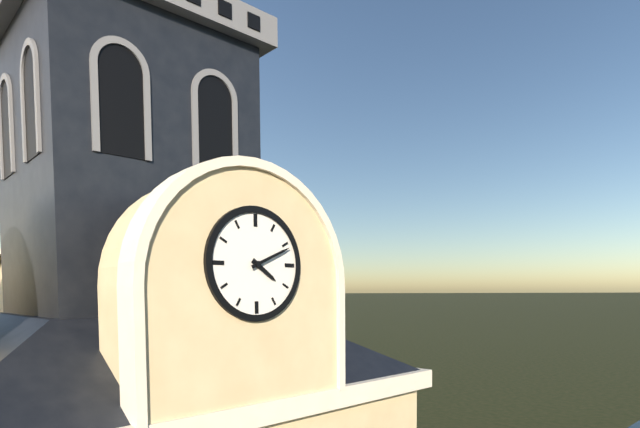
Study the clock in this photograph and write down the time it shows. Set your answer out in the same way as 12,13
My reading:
4,11
